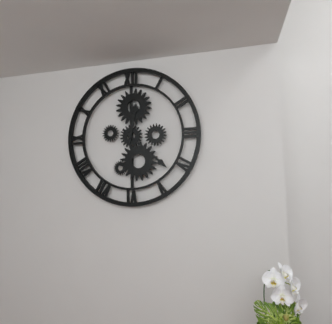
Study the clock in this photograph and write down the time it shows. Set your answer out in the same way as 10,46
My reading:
12,22
